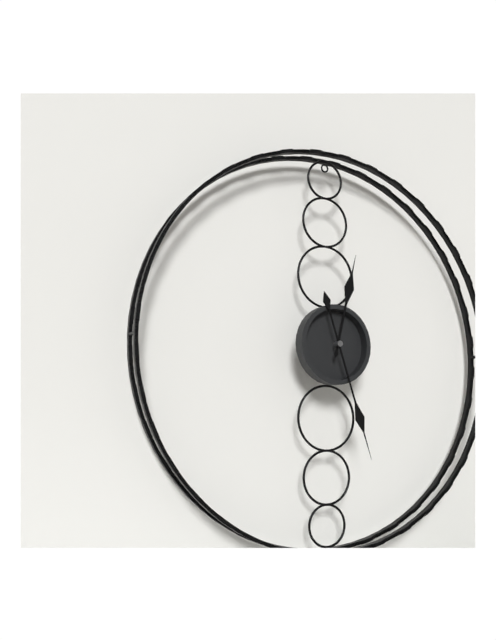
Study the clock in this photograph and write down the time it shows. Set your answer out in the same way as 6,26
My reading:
12,27
